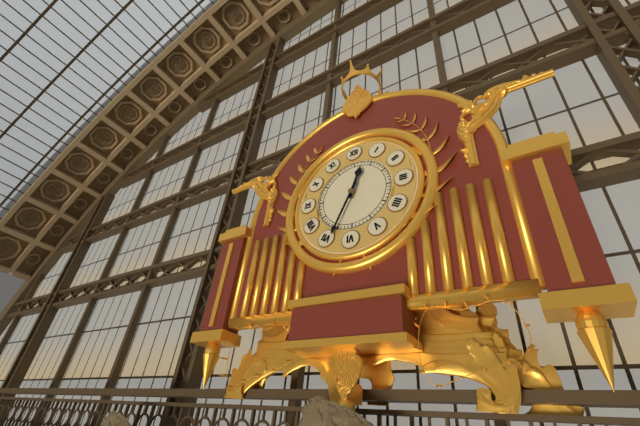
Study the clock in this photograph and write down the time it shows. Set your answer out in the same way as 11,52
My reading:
12,34
